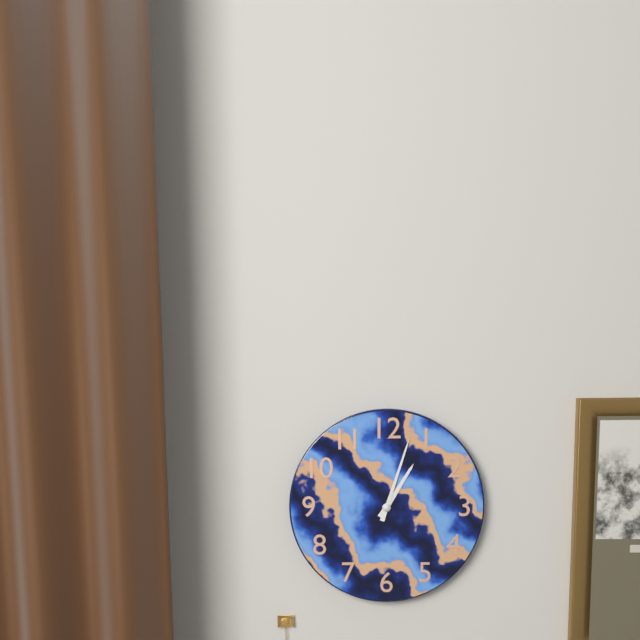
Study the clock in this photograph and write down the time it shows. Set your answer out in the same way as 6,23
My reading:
1,03
